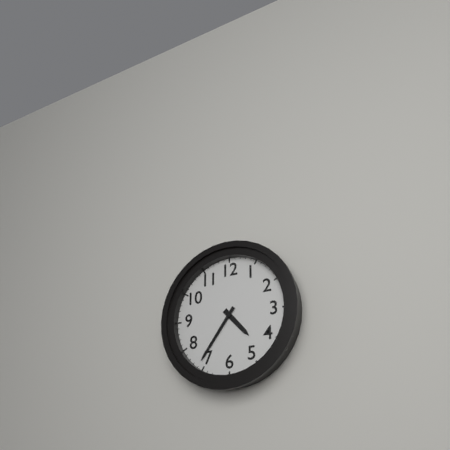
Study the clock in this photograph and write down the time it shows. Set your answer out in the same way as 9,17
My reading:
4,36
